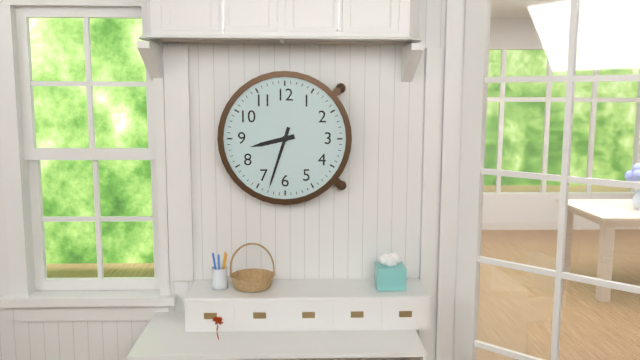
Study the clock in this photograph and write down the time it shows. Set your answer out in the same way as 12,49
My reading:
8,33
